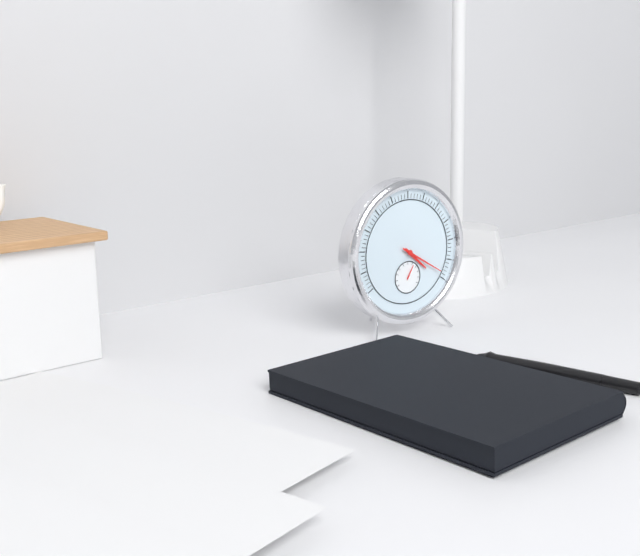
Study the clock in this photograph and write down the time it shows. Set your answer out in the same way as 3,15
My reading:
4,20
